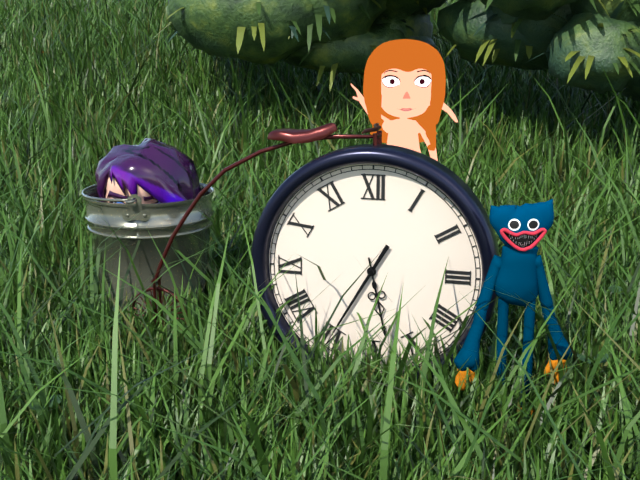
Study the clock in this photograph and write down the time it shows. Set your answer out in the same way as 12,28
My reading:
5,35
